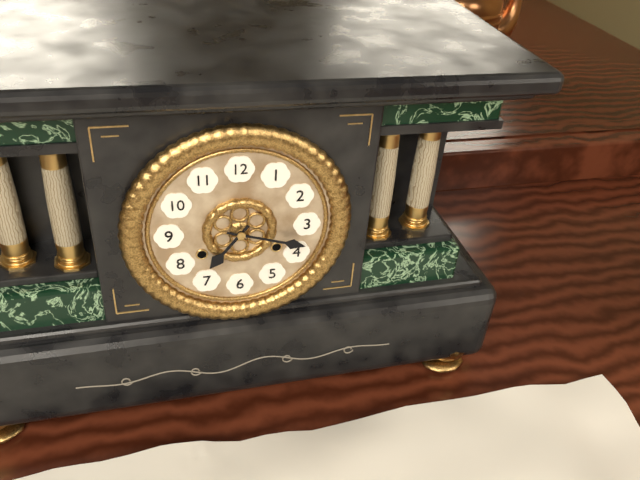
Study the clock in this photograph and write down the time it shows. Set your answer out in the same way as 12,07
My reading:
7,18
